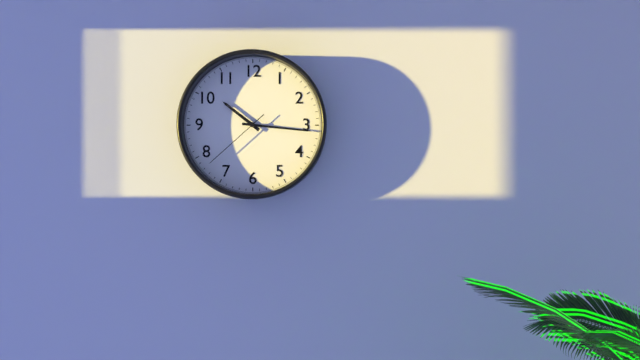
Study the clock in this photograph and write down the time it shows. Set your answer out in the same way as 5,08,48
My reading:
10,16,38
